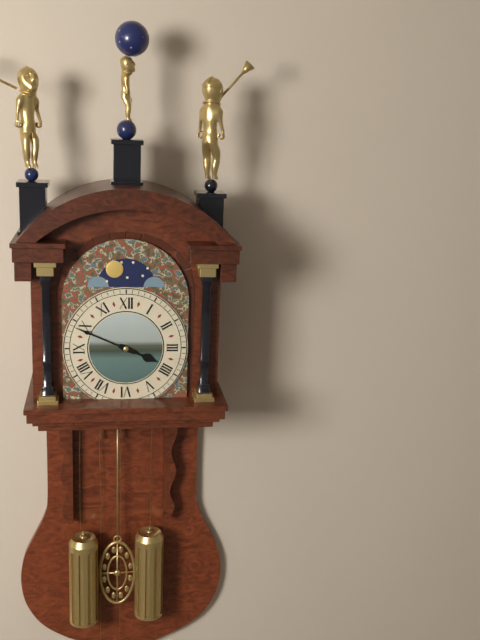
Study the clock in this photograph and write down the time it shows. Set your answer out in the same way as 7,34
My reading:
3,49
